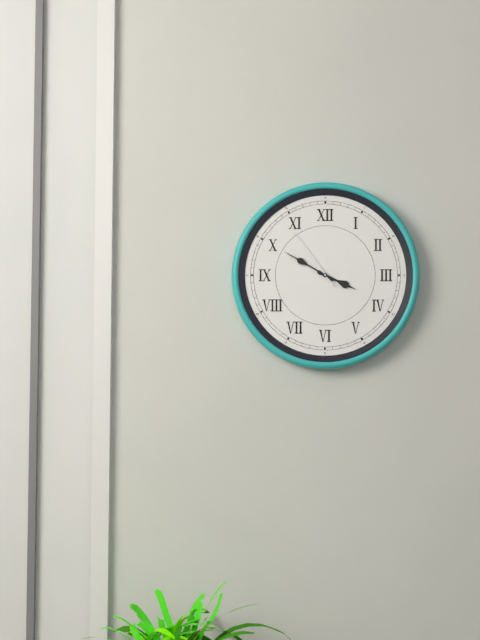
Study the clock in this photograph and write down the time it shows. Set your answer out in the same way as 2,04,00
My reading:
3,50,54
